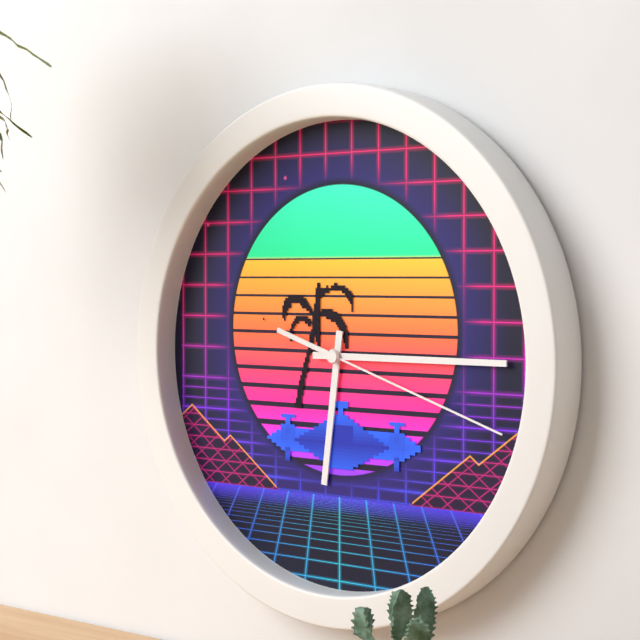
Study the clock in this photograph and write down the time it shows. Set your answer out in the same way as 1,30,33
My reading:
6,15,18
